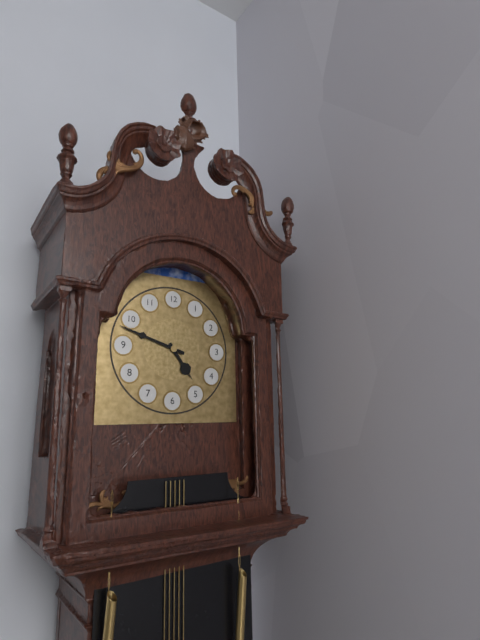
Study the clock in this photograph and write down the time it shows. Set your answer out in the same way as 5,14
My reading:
4,48
